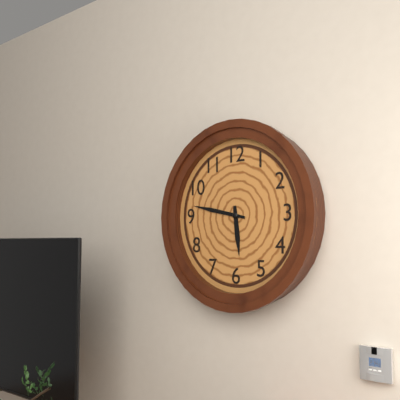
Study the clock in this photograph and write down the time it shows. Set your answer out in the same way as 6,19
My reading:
5,47
